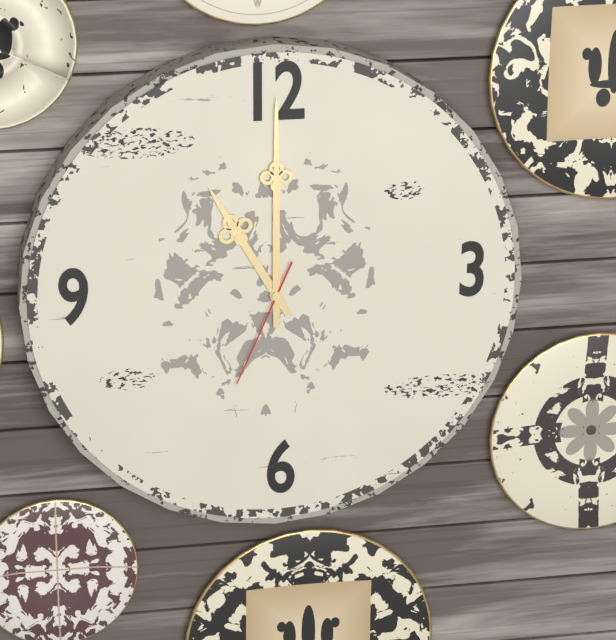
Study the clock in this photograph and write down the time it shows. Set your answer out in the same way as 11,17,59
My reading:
11,00,34
